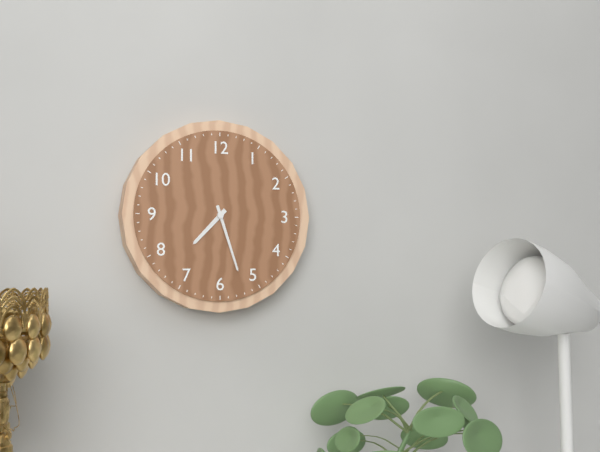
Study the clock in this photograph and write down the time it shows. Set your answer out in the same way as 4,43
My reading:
7,27
